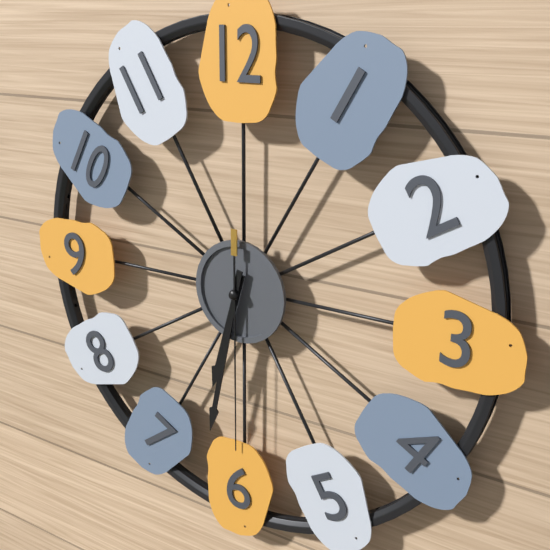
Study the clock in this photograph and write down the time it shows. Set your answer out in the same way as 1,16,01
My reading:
6,32,30
